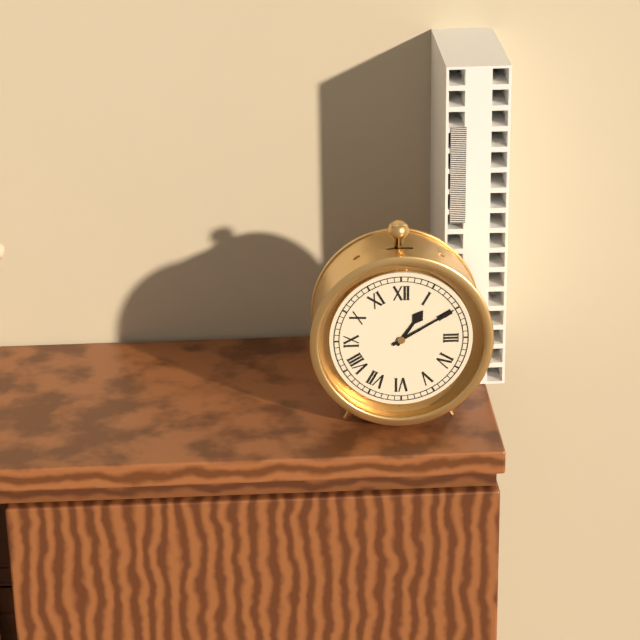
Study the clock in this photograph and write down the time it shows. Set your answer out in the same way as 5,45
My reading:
1,10
